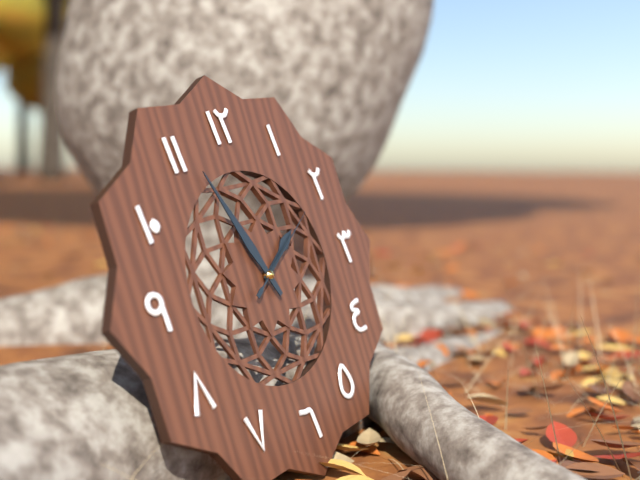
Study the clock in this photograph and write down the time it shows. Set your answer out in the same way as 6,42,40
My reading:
1,56,10
